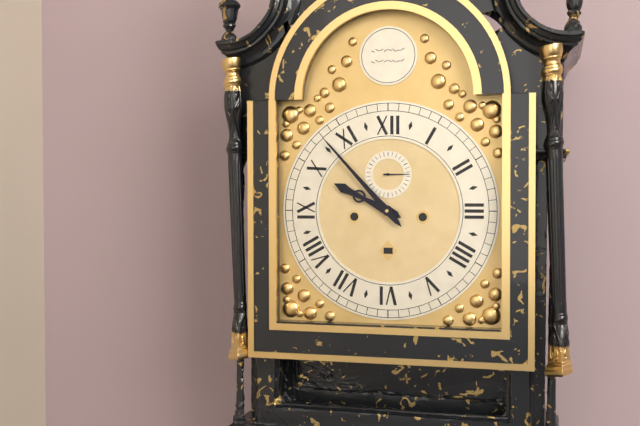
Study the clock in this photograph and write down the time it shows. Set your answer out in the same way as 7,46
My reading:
9,53
